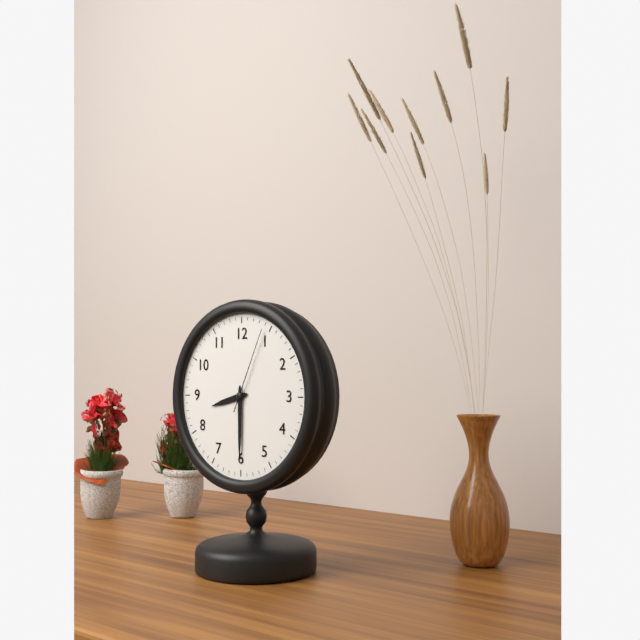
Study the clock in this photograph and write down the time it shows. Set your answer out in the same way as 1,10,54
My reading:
8,30,04
